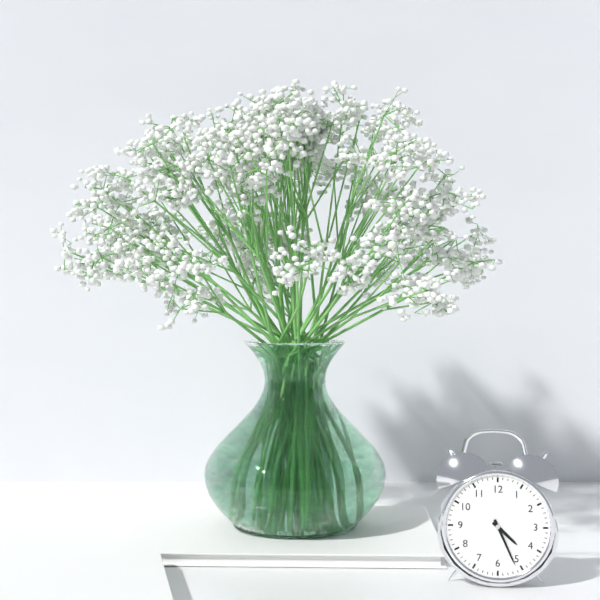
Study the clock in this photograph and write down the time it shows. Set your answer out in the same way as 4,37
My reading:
4,26
